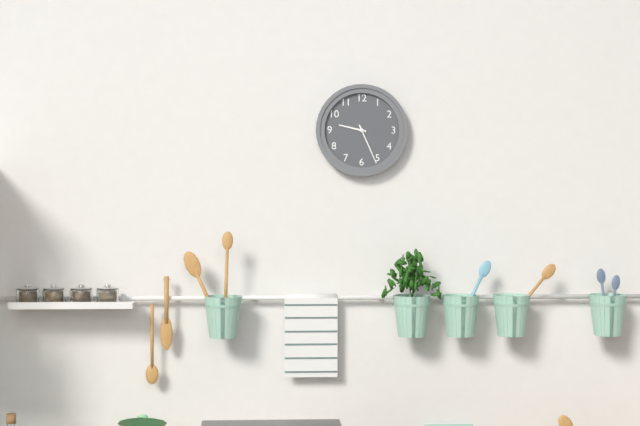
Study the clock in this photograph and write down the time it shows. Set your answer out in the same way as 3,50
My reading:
9,26
